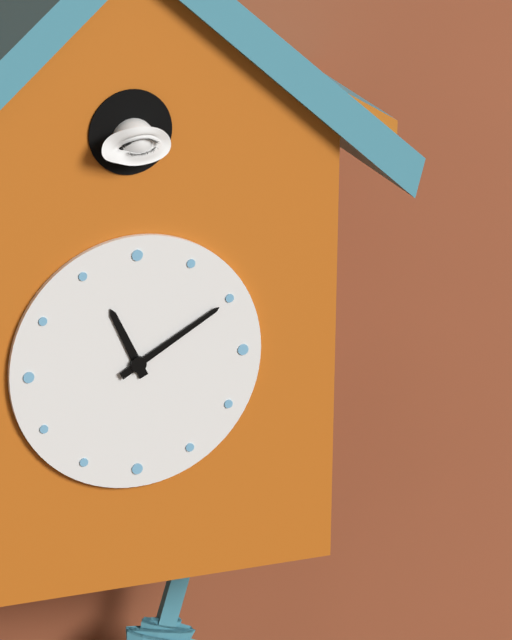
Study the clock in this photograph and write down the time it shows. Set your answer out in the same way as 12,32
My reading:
11,10
